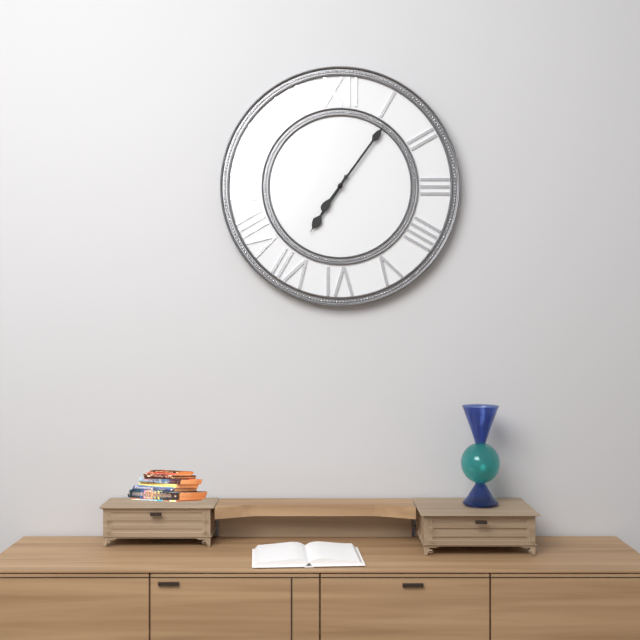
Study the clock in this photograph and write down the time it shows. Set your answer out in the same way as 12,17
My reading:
7,06
